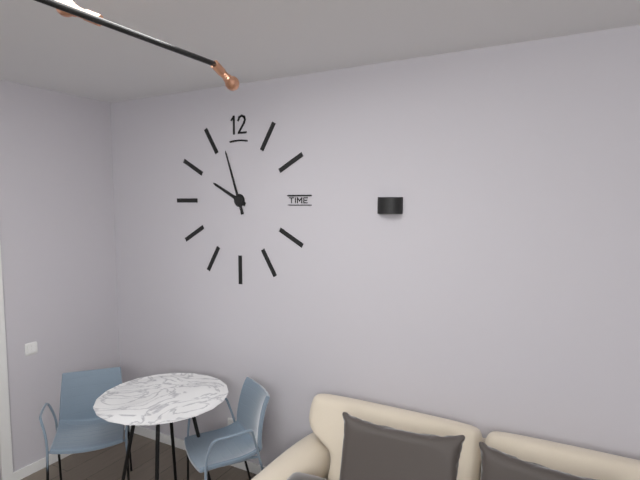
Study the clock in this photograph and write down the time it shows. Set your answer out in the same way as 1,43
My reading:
9,57
